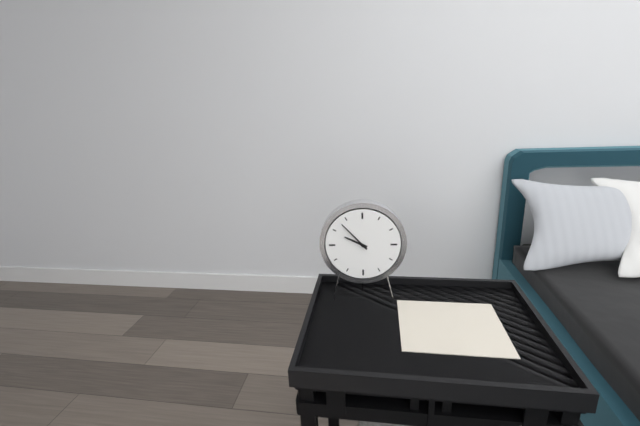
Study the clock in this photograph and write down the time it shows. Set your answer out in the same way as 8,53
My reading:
9,53
